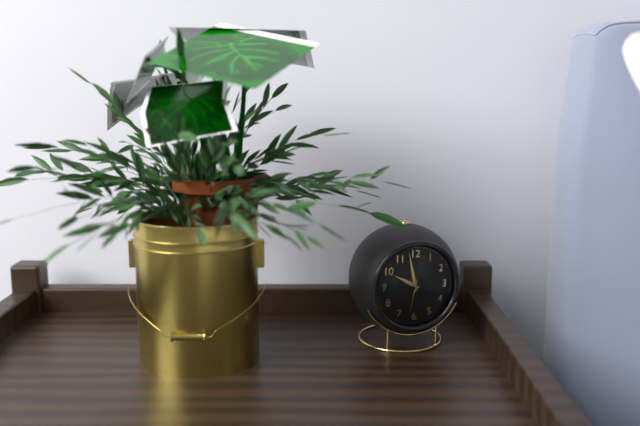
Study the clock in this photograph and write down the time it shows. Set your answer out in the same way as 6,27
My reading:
9,58
